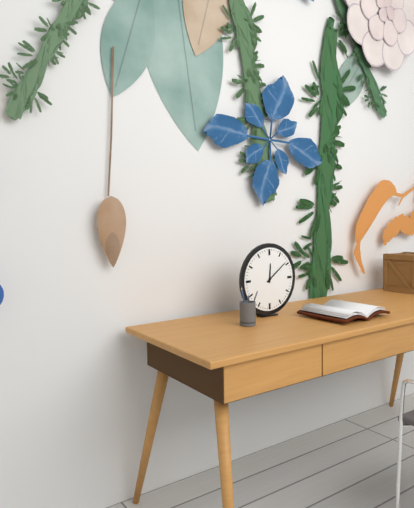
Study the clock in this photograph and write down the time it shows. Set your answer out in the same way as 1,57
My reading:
12,09
